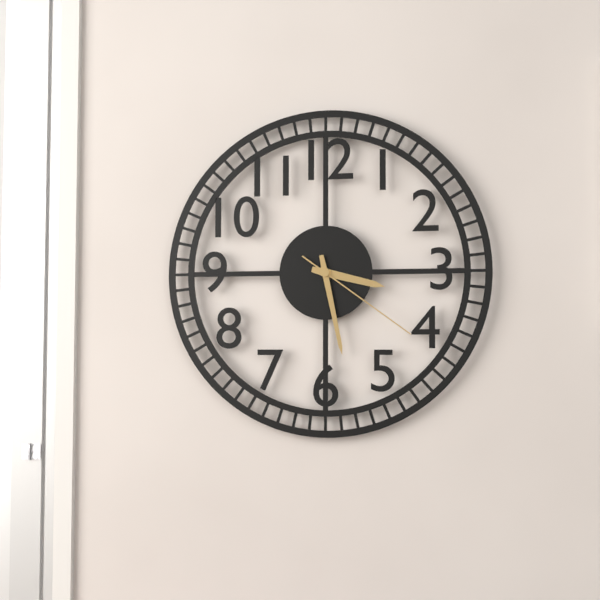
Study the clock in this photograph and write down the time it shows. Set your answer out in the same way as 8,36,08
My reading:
3,28,21
